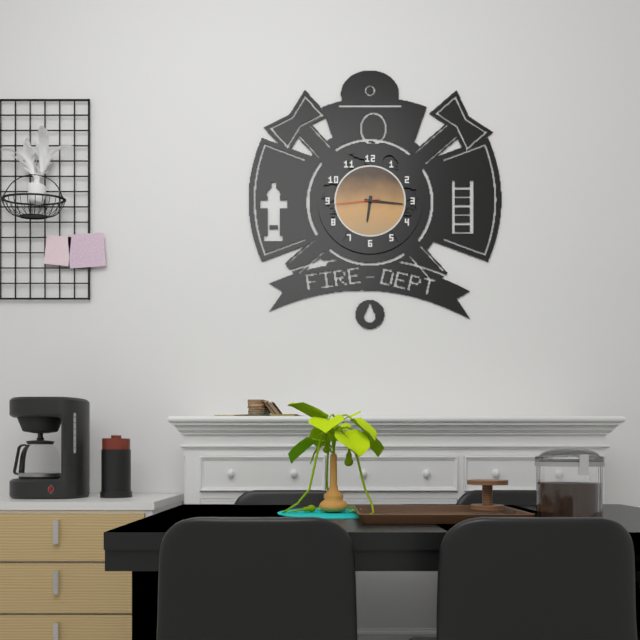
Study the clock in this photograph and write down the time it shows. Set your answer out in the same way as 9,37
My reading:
6,16
